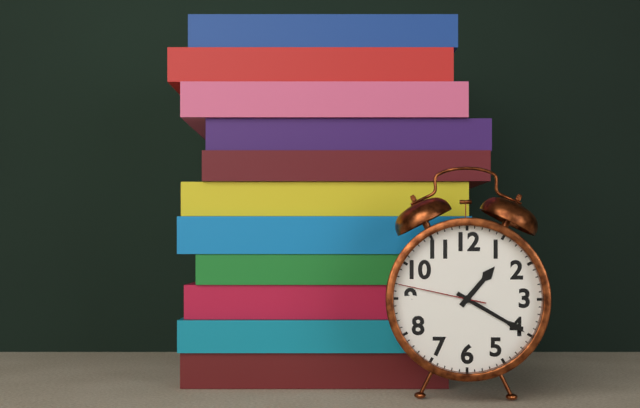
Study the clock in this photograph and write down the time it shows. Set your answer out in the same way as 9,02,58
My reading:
1,20,47
